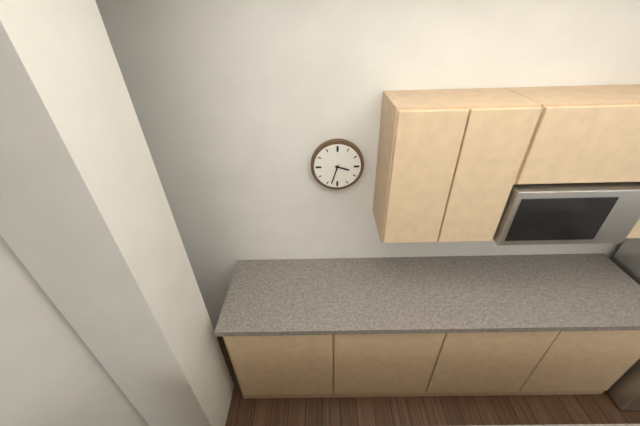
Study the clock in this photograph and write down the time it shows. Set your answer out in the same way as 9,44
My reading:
3,33
